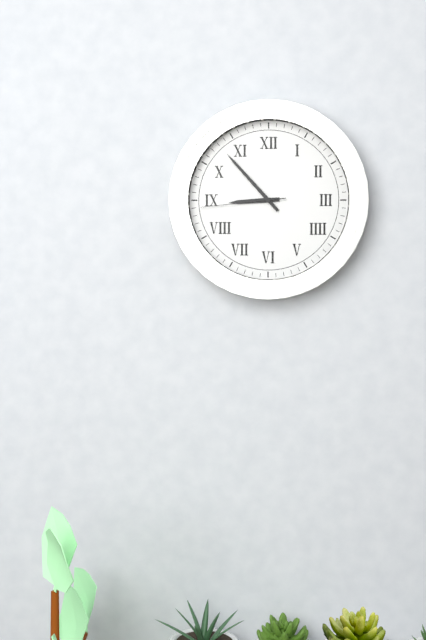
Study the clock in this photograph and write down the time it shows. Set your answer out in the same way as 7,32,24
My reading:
8,53,44
